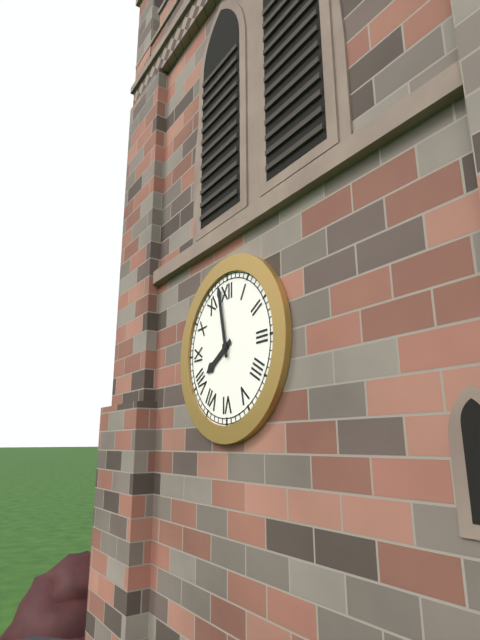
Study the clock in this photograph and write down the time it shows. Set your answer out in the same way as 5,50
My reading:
7,58
